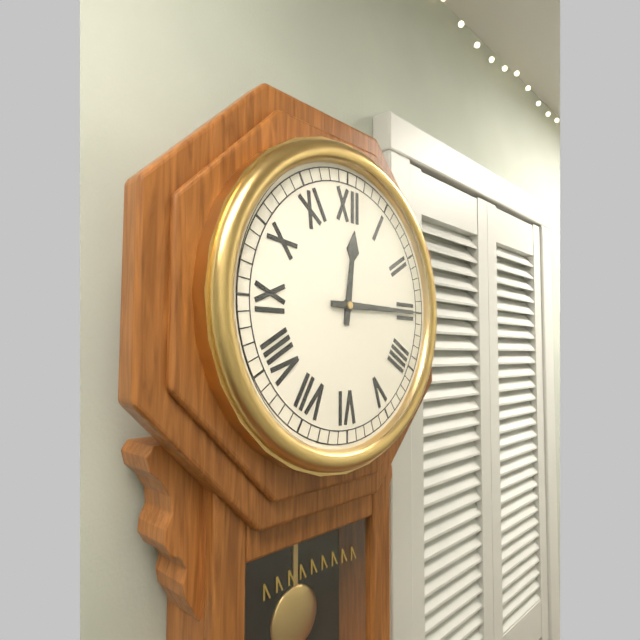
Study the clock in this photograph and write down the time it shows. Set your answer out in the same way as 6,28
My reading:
12,15
